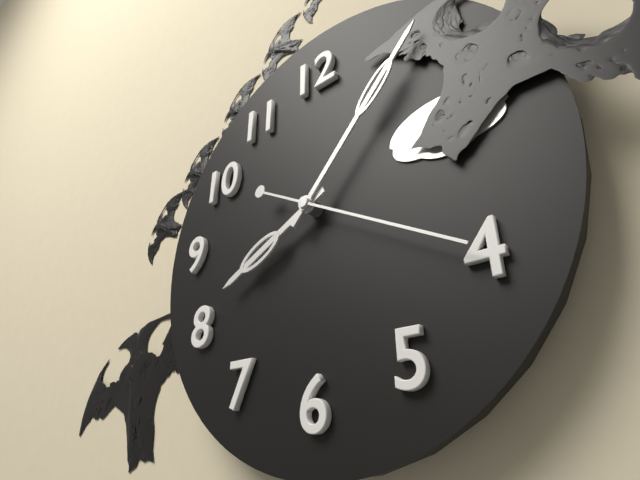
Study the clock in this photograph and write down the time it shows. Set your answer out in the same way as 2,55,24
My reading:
8,07,20
